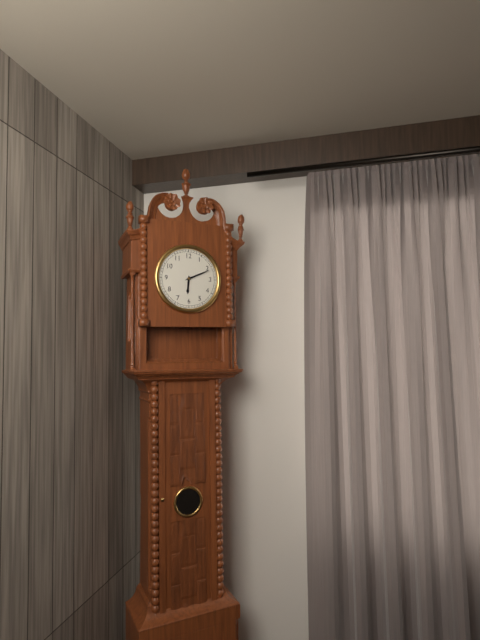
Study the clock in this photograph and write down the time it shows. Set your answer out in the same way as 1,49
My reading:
6,11
